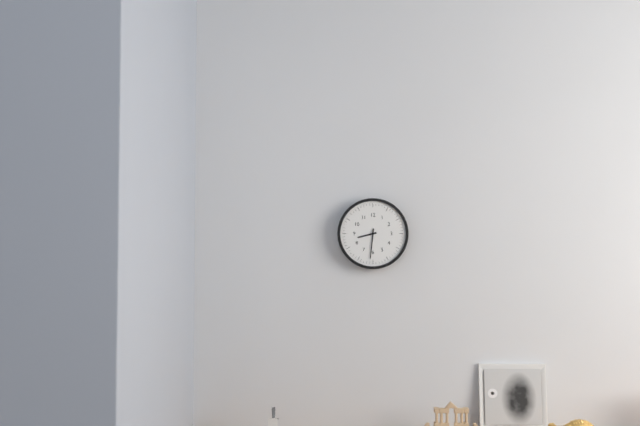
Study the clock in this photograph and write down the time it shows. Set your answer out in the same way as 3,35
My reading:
8,31
